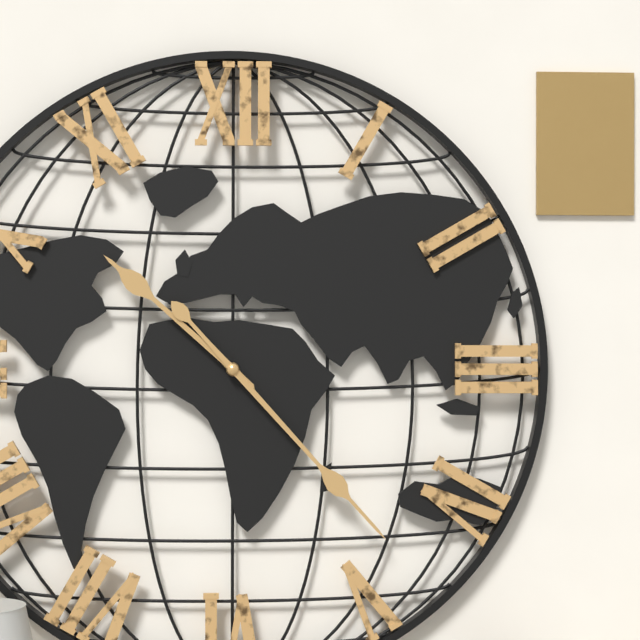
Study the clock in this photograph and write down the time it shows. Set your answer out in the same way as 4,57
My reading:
10,23
